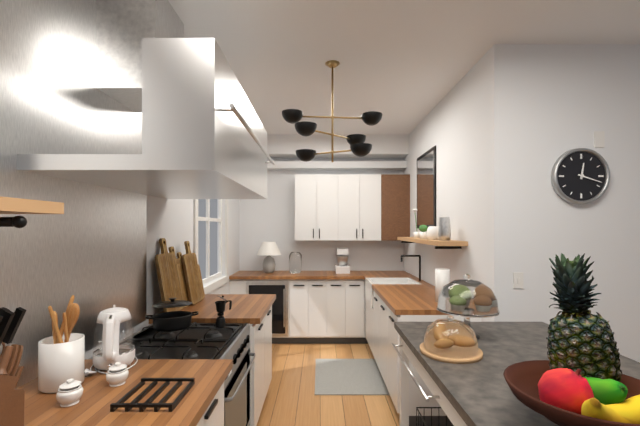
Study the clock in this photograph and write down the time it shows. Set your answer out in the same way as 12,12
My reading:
12,18
